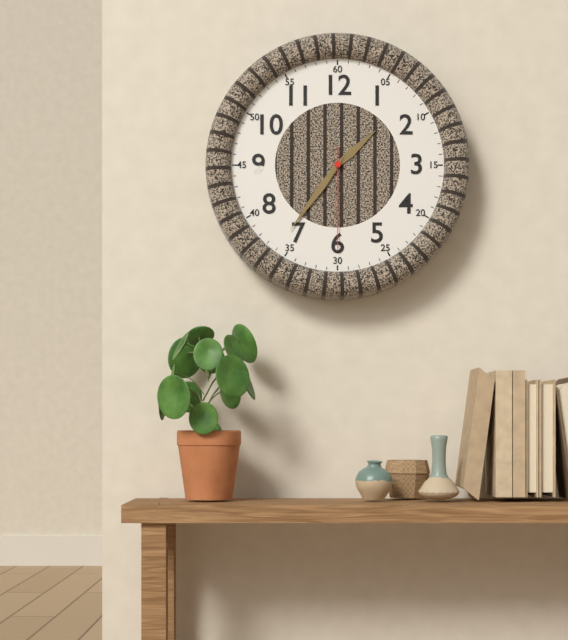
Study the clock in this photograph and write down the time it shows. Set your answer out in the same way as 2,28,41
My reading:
1,36,30
